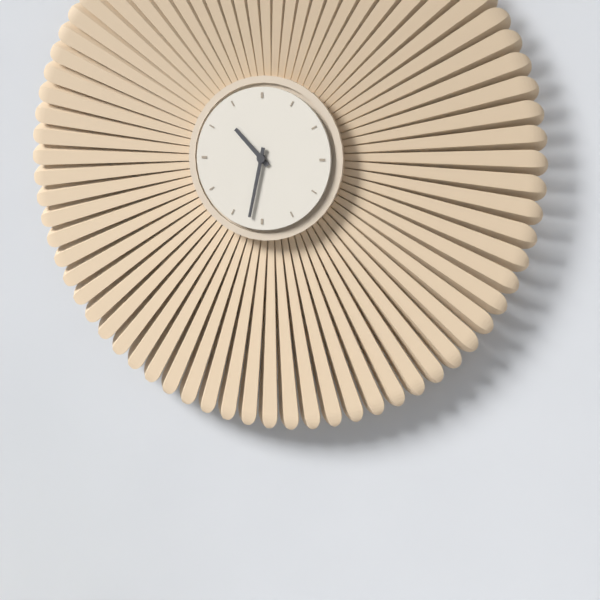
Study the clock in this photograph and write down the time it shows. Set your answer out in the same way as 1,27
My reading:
10,32
